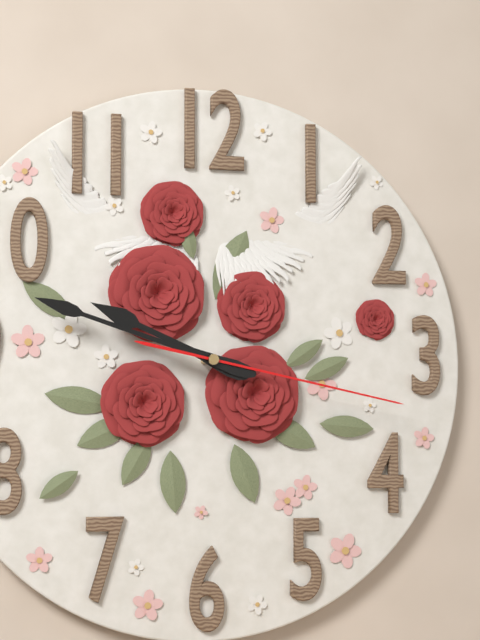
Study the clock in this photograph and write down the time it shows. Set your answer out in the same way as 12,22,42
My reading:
9,48,17
